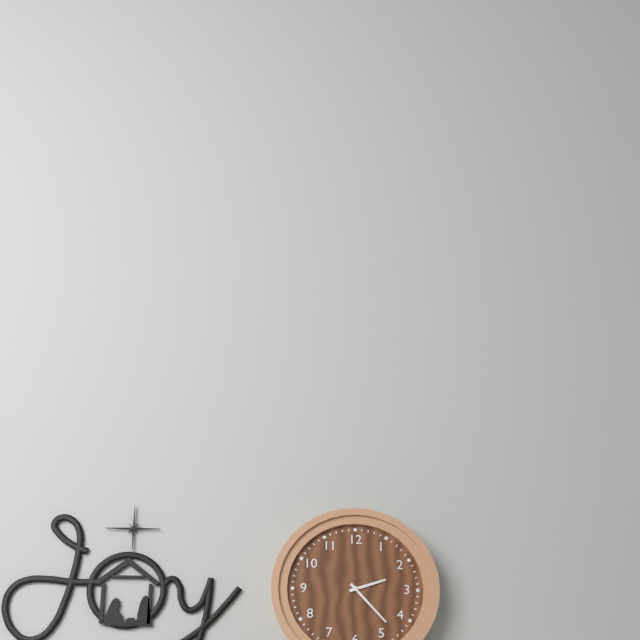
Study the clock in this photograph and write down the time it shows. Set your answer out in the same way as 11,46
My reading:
2,23
